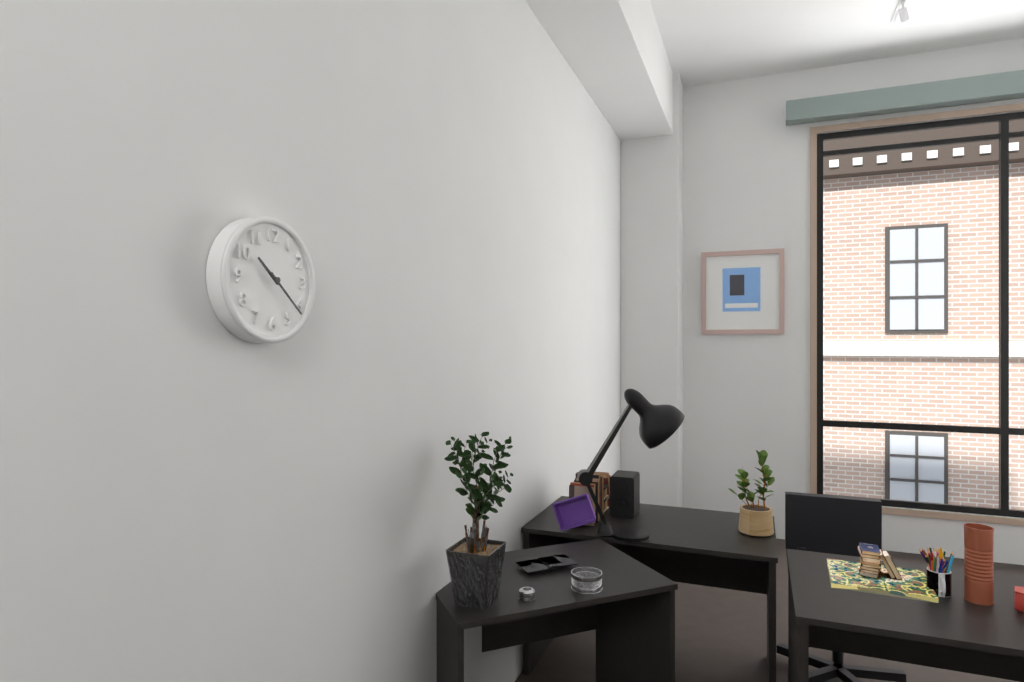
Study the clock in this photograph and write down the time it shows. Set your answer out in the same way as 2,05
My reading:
10,22
